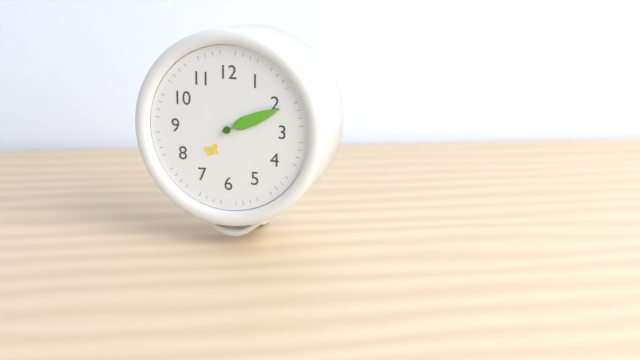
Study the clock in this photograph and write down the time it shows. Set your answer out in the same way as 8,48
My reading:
2,11
